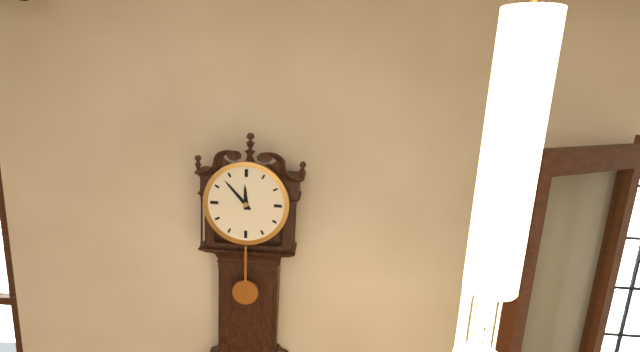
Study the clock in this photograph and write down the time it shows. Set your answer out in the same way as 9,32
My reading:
11,53
